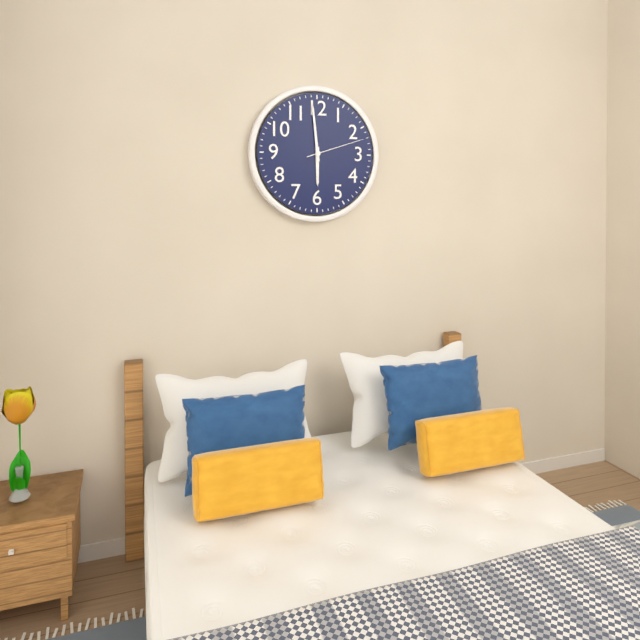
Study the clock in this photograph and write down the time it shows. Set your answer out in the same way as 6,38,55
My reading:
5,59,12
